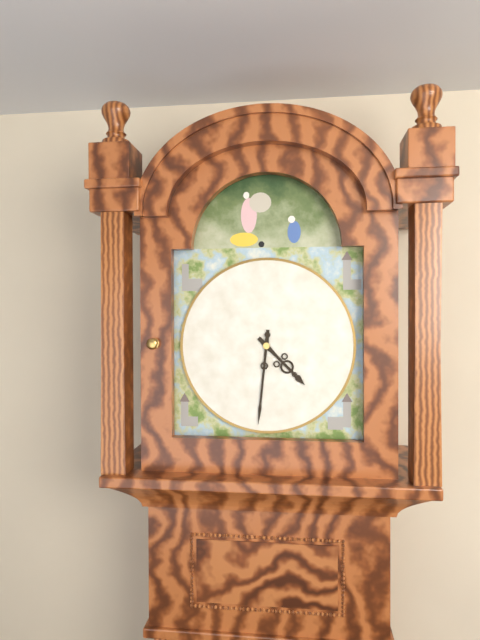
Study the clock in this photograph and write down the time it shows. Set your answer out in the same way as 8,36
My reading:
4,31
